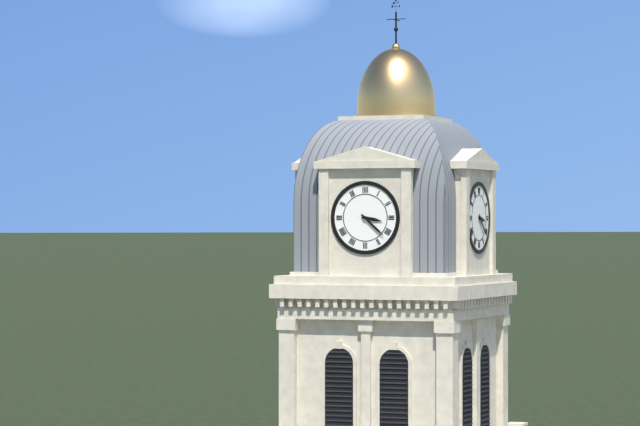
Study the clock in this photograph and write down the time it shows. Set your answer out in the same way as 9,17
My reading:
3,22
